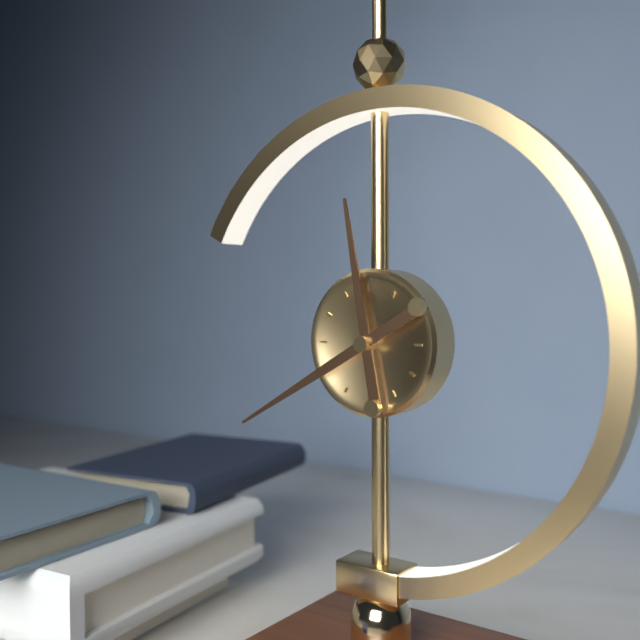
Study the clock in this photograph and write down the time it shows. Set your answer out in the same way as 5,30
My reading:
11,40
